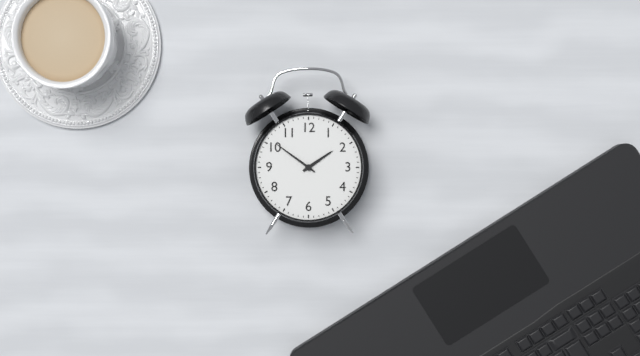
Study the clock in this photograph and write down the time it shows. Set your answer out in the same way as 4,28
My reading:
1,51
